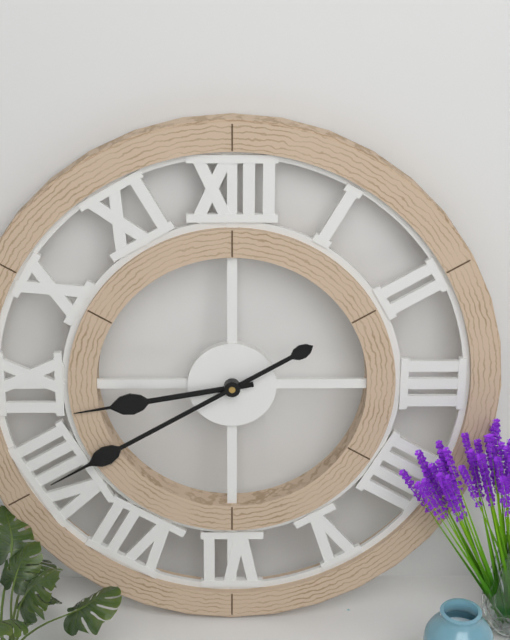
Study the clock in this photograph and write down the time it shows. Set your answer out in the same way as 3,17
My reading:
8,40
